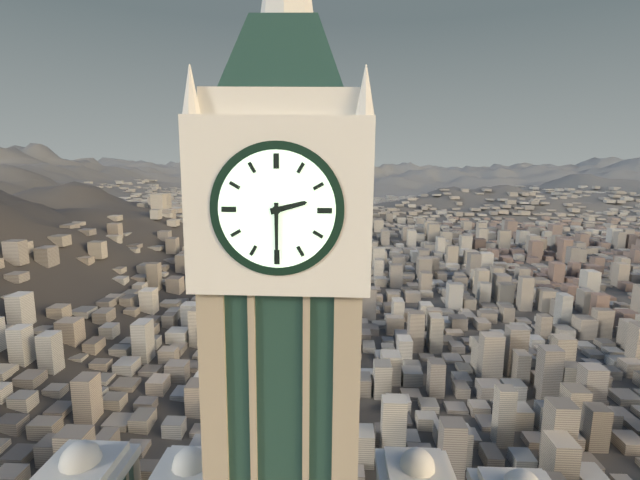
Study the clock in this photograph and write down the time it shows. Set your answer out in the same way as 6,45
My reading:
2,30
